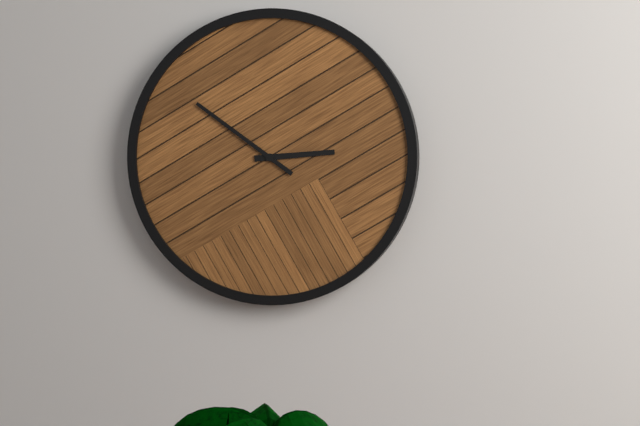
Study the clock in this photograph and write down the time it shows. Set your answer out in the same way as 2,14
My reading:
2,51
